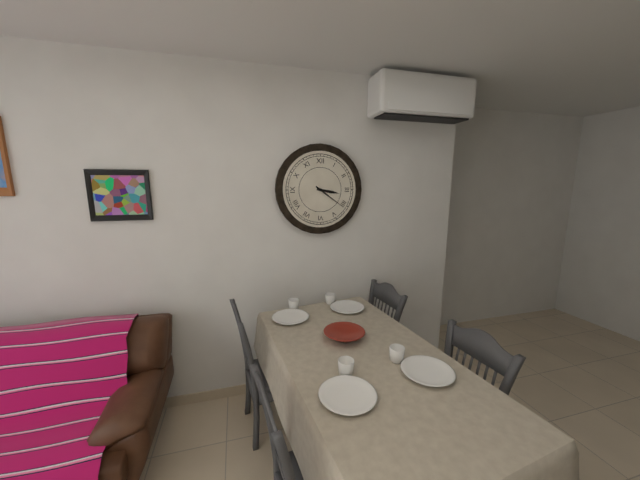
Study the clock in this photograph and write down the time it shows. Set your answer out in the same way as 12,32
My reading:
3,21
